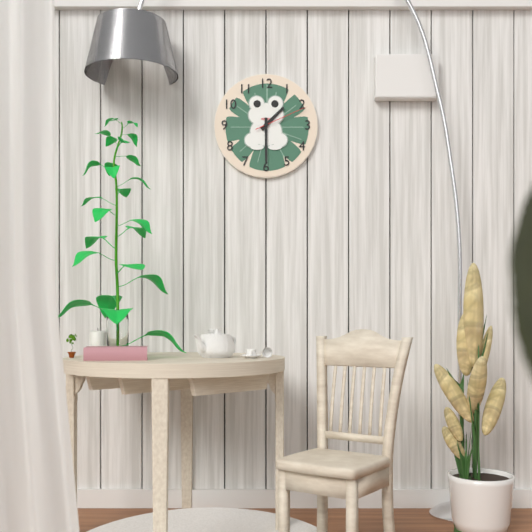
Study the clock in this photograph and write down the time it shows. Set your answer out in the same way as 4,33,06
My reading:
1,30,11
